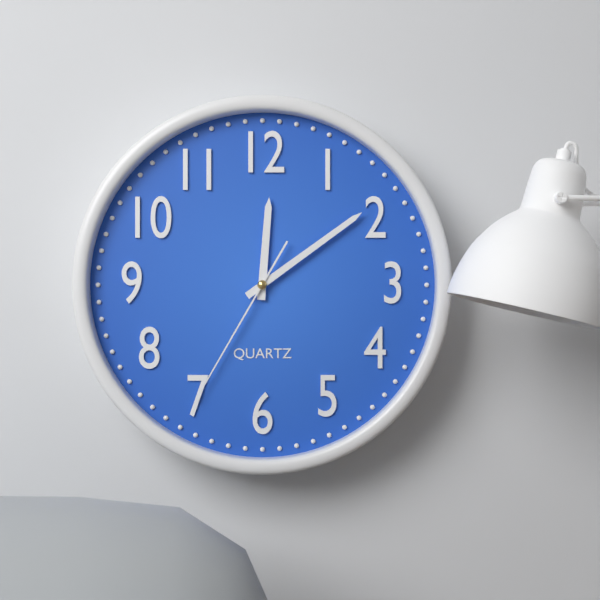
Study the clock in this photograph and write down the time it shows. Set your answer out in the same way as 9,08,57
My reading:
12,09,35
